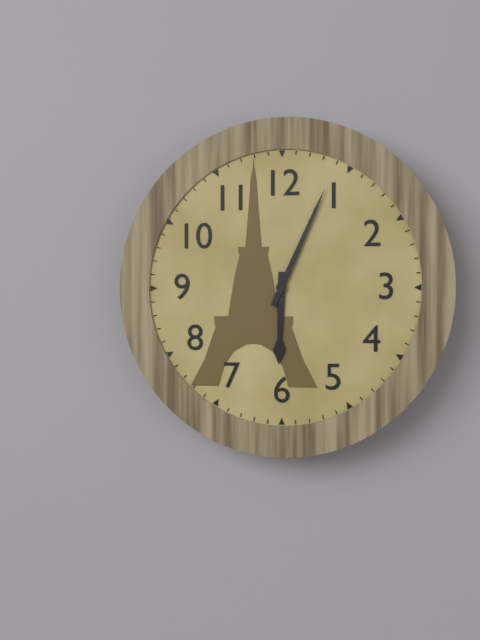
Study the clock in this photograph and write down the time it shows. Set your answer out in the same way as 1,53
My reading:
6,04
